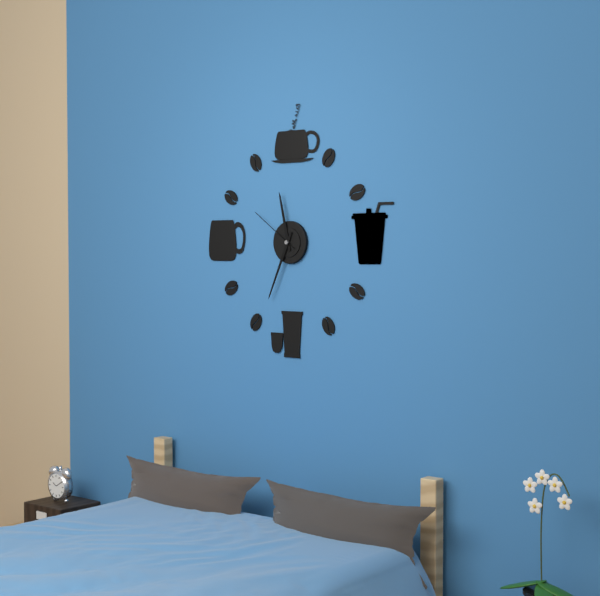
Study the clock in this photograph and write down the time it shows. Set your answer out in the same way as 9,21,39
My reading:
11,34,51
